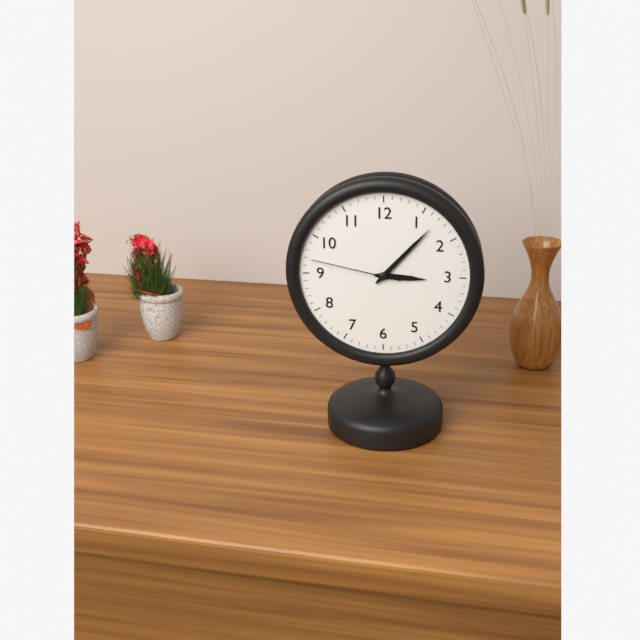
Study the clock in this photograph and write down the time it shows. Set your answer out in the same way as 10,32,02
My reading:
3,07,47
